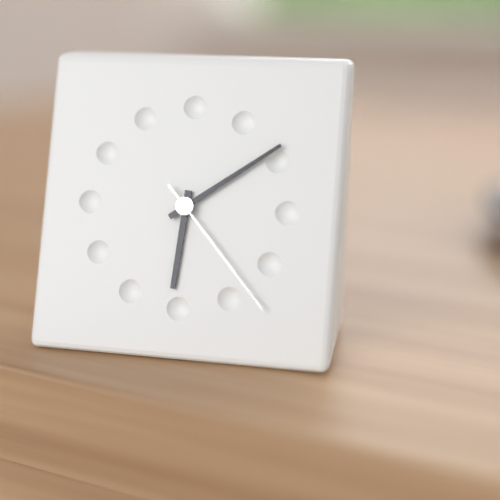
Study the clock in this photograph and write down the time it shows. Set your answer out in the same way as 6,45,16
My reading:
6,09,23
